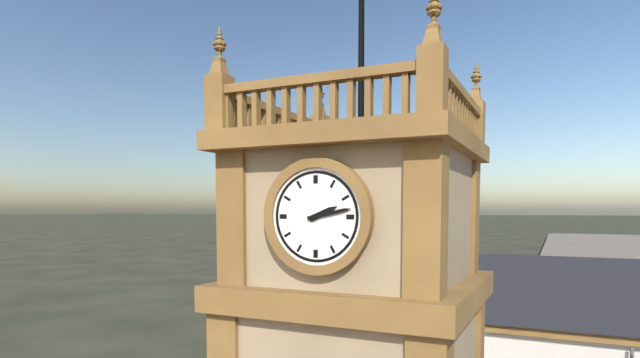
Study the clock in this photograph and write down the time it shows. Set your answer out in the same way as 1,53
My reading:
2,13
